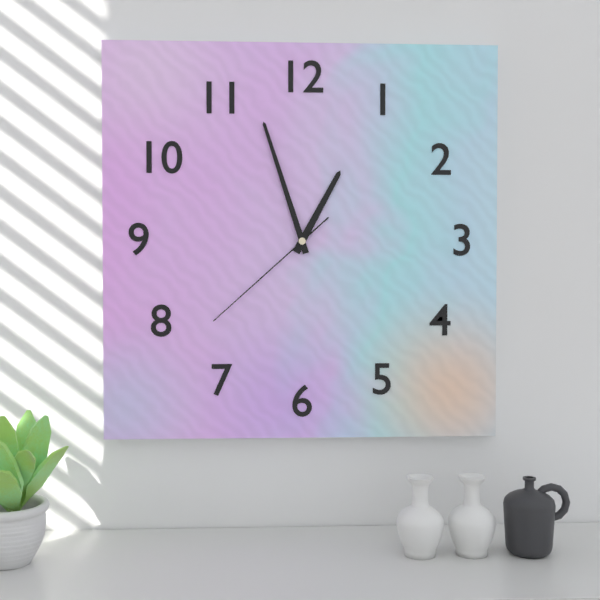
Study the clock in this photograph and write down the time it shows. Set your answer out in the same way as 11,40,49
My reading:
12,57,38
